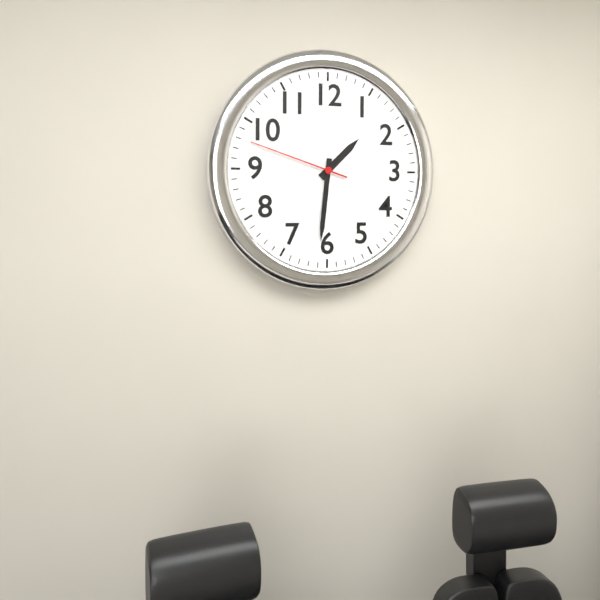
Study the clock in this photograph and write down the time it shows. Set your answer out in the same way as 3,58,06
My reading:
1,31,48
